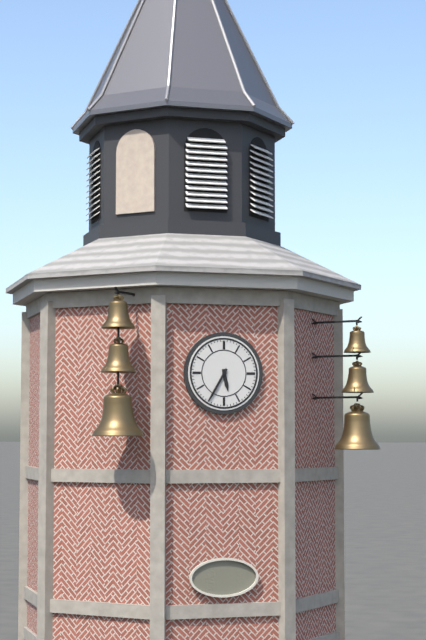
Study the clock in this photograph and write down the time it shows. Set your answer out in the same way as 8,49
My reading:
5,35
